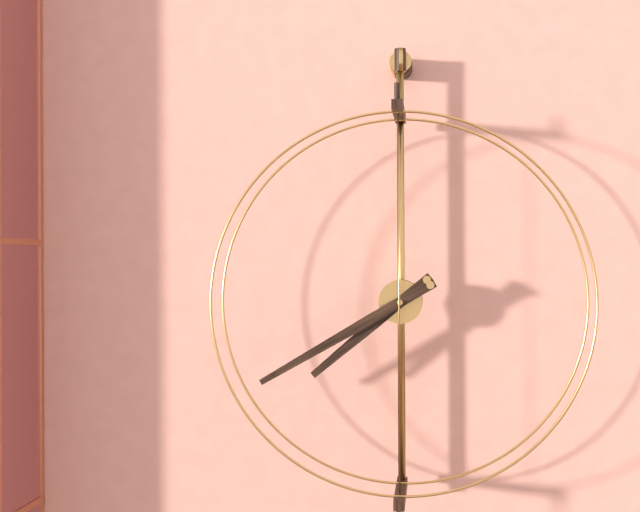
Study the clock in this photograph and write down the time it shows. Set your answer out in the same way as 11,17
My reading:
7,40
